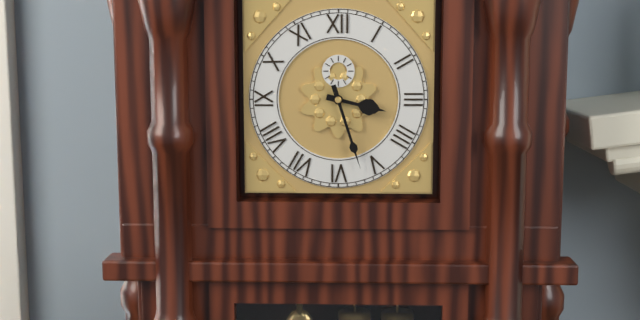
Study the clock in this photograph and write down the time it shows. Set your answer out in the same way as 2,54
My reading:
3,27
